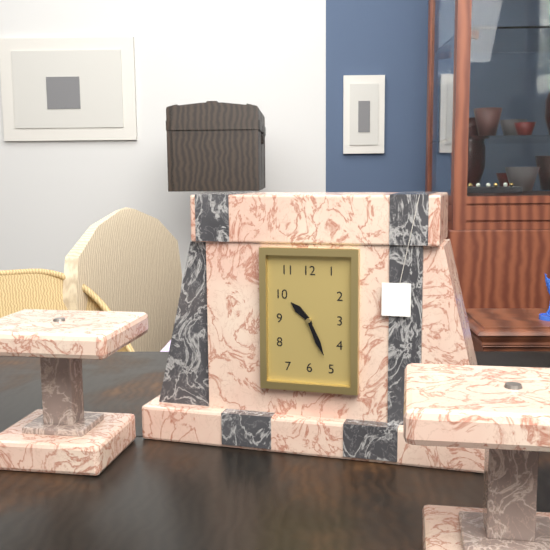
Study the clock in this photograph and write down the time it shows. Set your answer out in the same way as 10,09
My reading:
10,26
